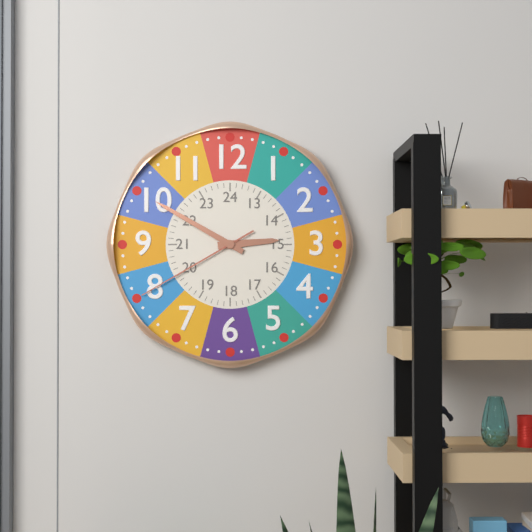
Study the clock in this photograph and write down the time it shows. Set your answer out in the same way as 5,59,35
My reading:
2,50,40
